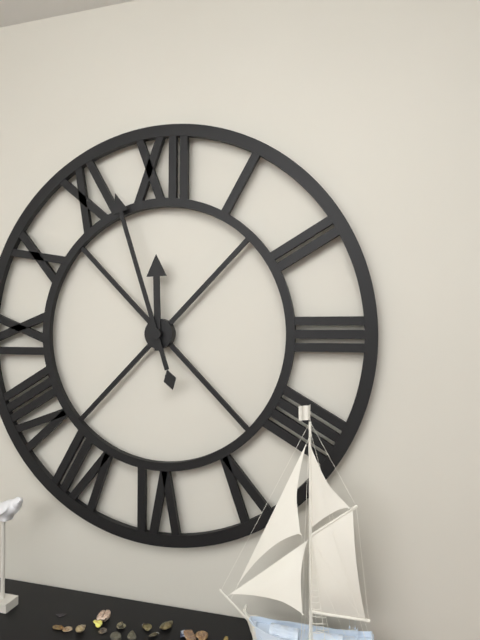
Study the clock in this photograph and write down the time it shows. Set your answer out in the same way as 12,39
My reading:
11,57
